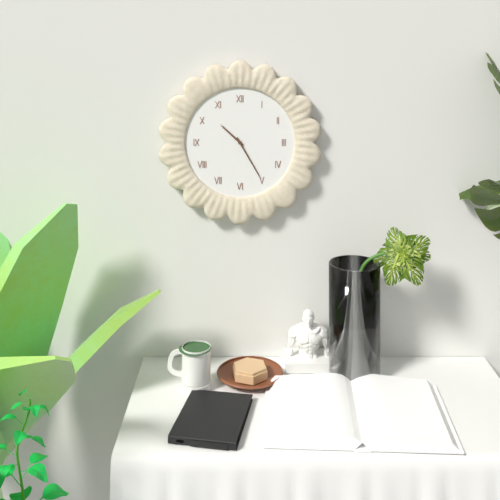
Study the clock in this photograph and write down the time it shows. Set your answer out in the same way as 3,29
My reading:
10,25
